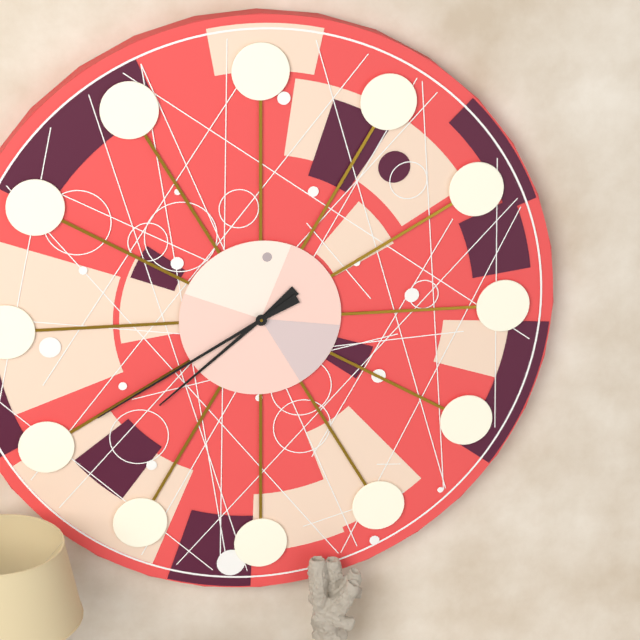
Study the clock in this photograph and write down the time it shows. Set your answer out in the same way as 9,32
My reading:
7,40
